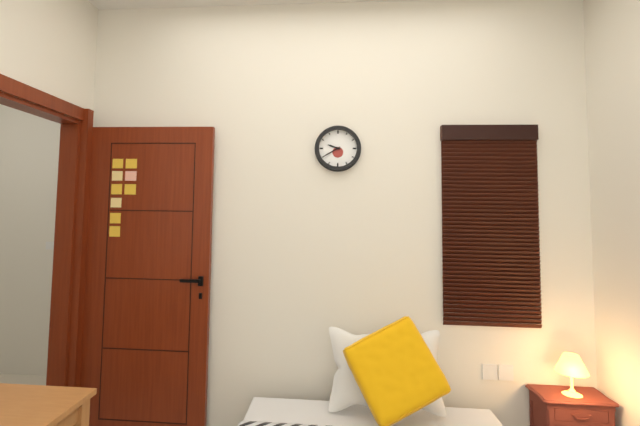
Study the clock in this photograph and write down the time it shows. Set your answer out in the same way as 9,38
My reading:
9,40
